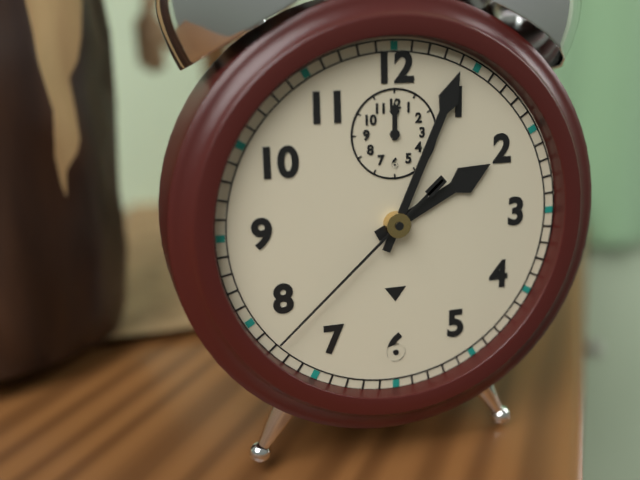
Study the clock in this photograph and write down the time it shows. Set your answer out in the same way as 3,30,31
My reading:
2,04,38
